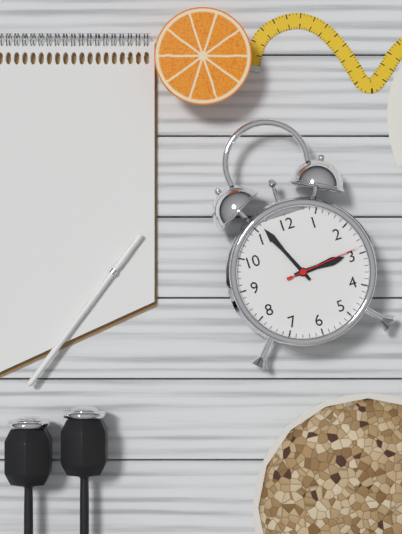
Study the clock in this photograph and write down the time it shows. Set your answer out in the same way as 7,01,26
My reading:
2,56,14
